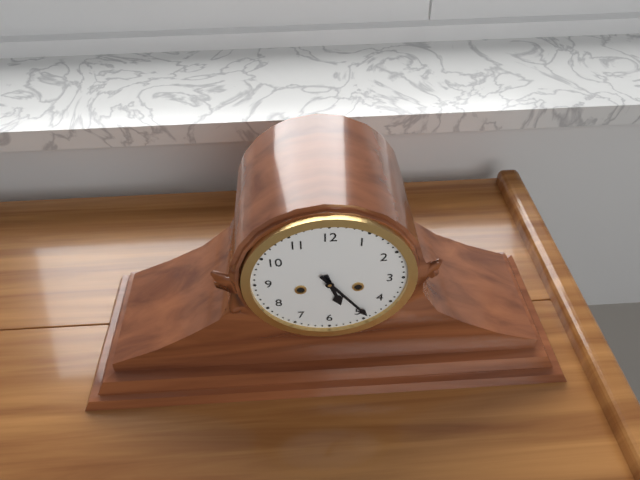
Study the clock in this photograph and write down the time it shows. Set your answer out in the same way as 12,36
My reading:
5,24
